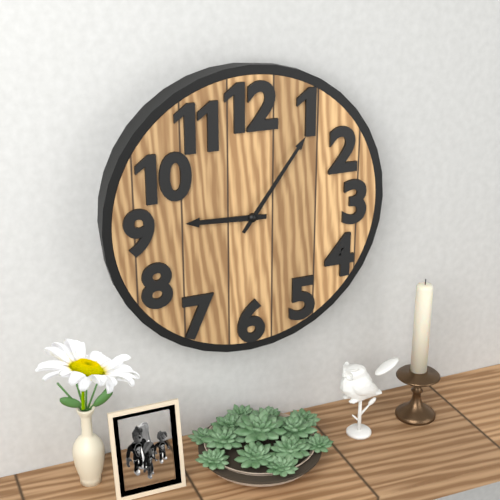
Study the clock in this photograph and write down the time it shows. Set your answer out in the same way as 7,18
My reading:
9,06
